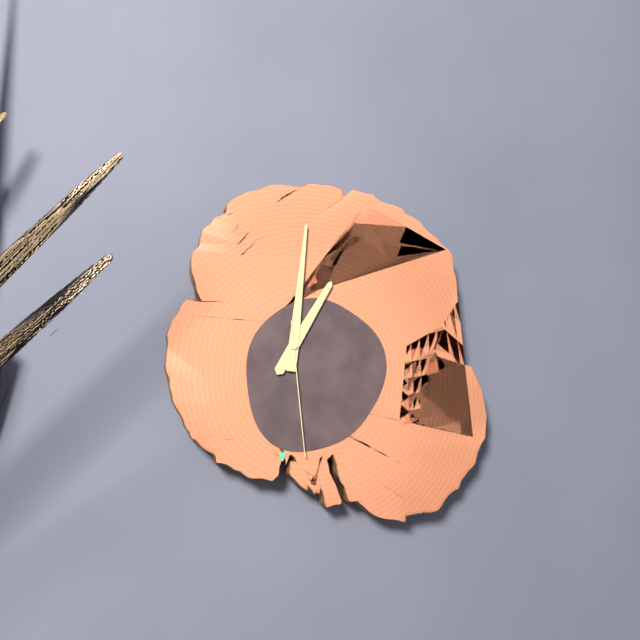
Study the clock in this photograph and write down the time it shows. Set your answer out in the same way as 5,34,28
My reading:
1,01,29
